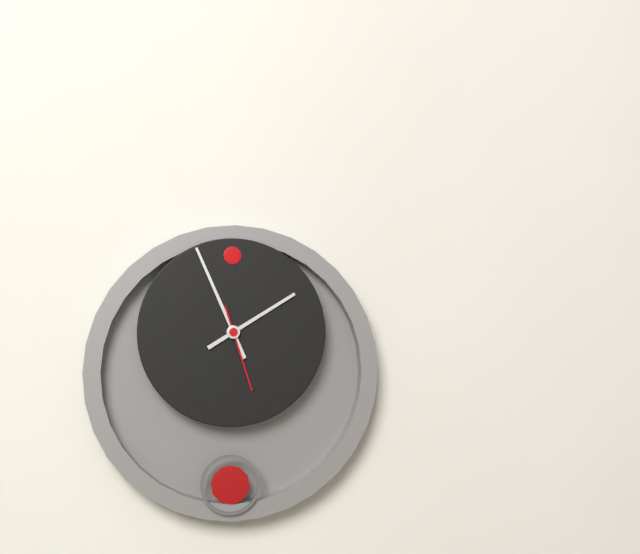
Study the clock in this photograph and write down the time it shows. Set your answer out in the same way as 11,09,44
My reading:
1,56,27
